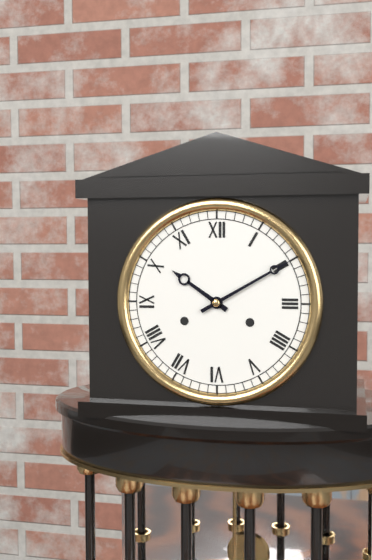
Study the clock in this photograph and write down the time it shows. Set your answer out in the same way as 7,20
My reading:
10,10
